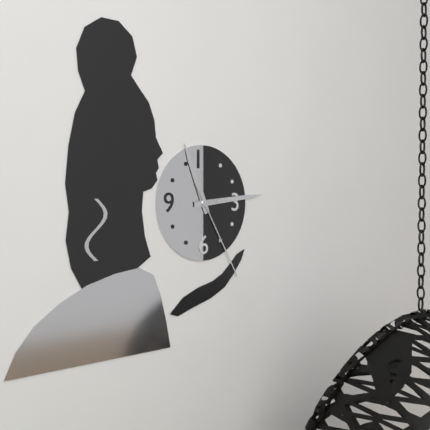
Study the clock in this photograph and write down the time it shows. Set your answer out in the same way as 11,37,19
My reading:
11,14,25
